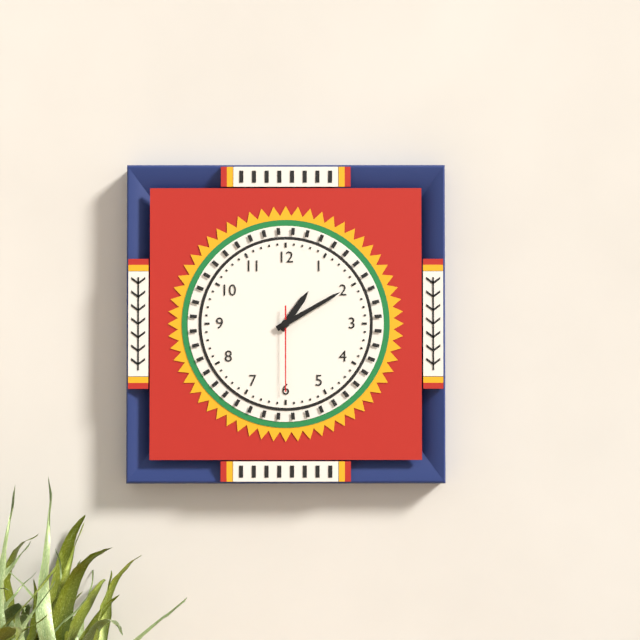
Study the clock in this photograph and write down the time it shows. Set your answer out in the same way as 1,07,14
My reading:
1,10,30
